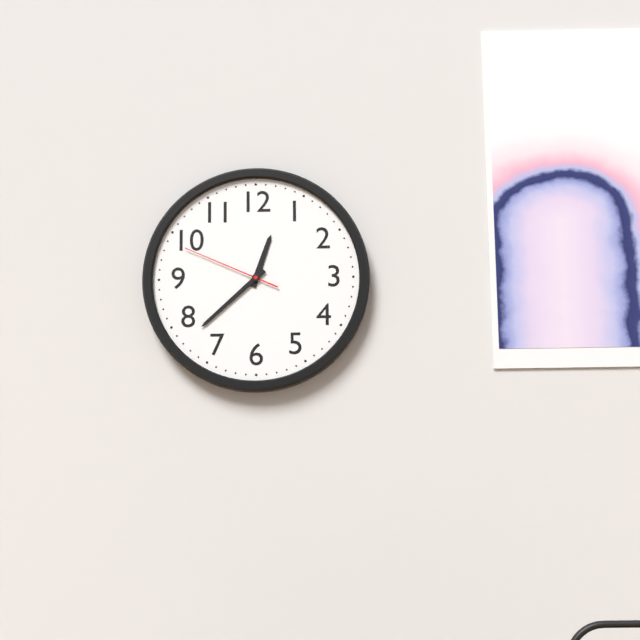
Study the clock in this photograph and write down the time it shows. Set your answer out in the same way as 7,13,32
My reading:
12,38,49
